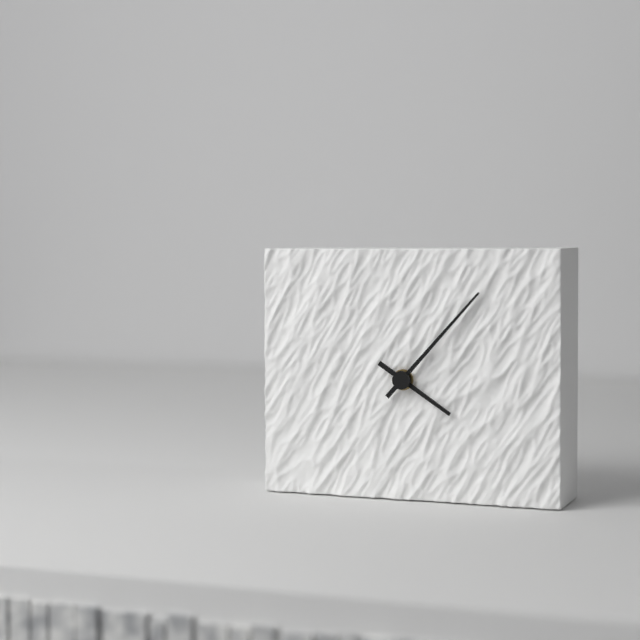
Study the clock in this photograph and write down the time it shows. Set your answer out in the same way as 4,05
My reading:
4,07
